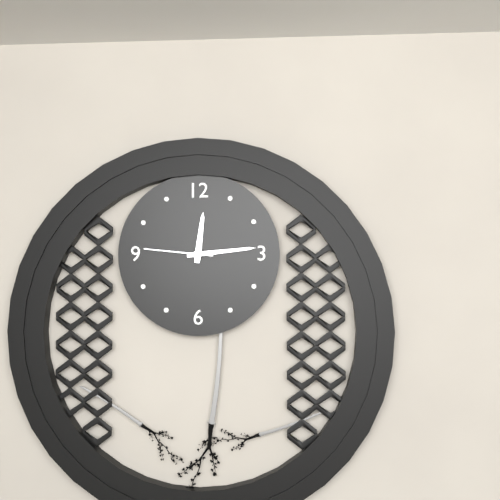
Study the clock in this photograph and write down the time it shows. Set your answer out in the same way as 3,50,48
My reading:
12,14,46
